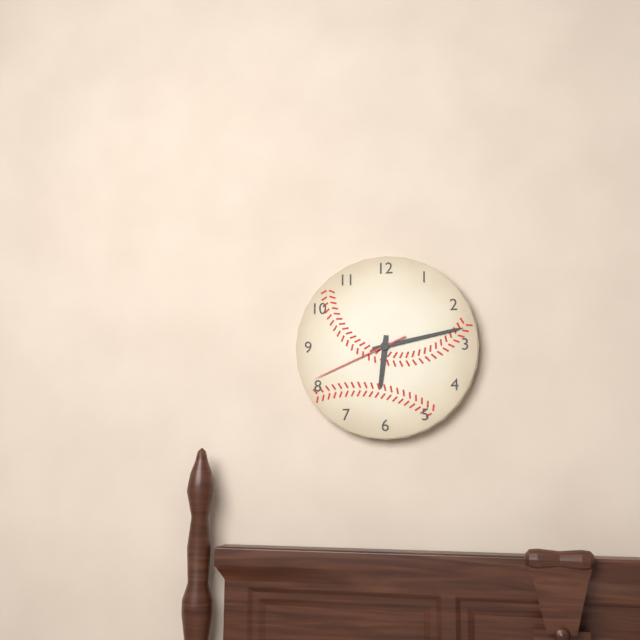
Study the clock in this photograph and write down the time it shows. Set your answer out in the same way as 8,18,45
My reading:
6,13,41
